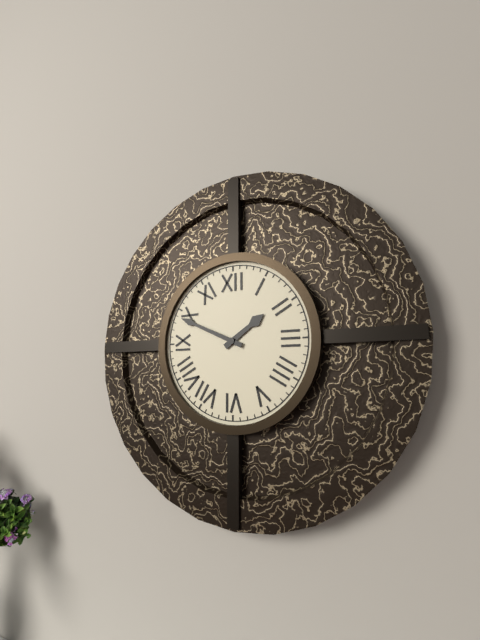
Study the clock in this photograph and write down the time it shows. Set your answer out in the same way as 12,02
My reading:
1,49
